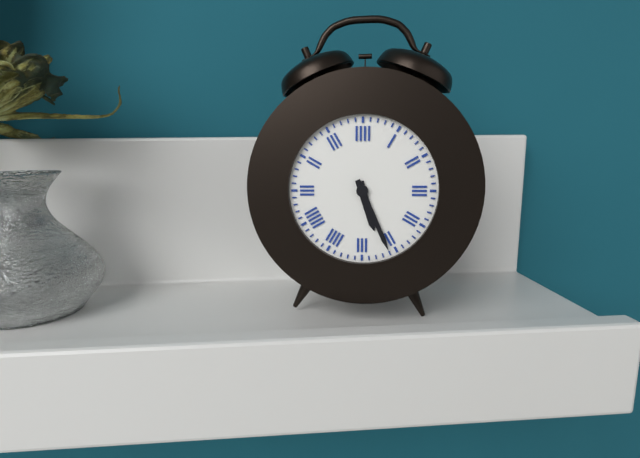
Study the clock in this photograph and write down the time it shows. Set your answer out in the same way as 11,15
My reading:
5,26
